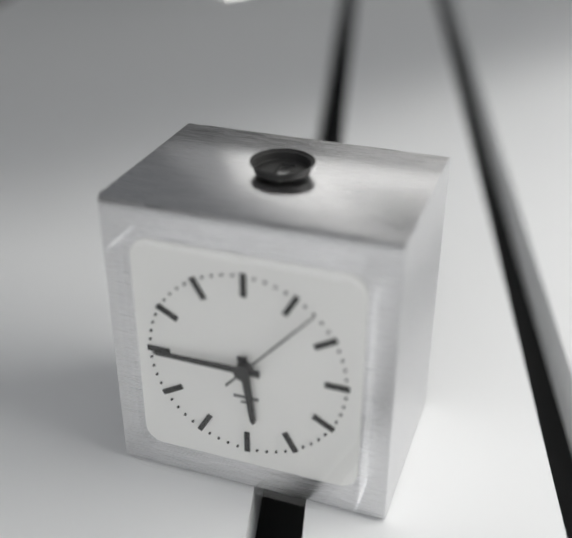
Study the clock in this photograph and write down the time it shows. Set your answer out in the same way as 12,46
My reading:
5,45
